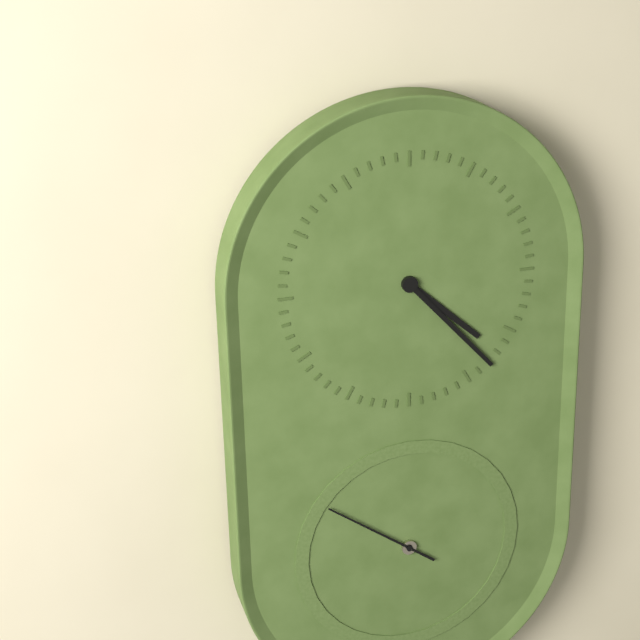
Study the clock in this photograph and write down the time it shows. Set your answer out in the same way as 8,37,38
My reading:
4,23,51
